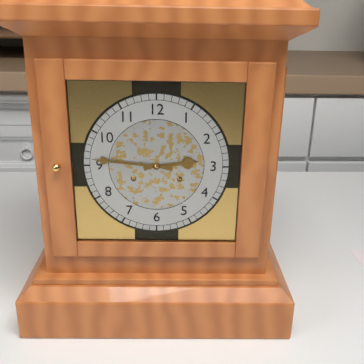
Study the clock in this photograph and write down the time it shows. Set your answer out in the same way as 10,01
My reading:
2,46
